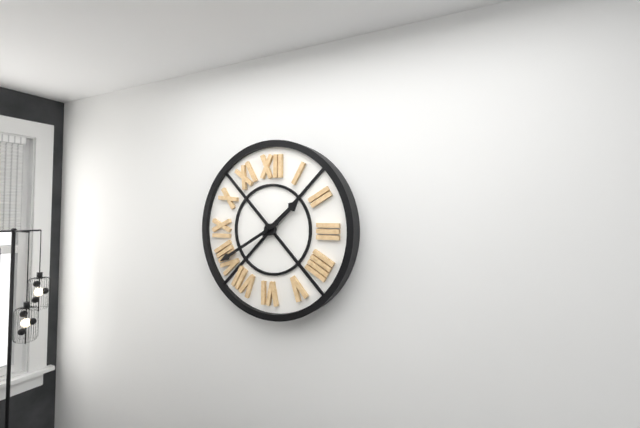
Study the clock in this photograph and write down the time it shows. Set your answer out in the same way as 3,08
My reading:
1,40
